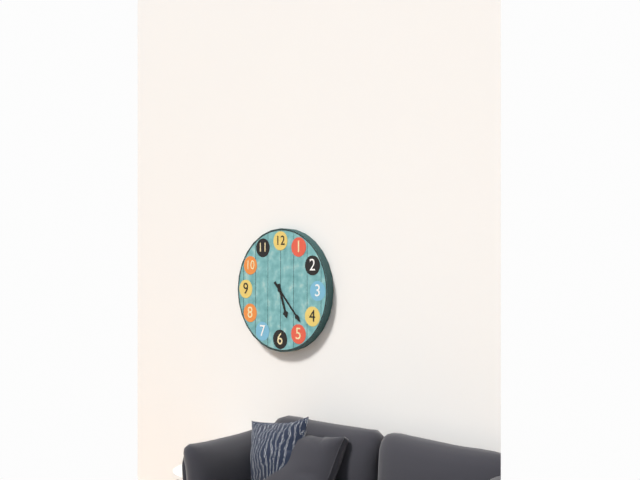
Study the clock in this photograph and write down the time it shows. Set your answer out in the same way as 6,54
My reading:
5,23
